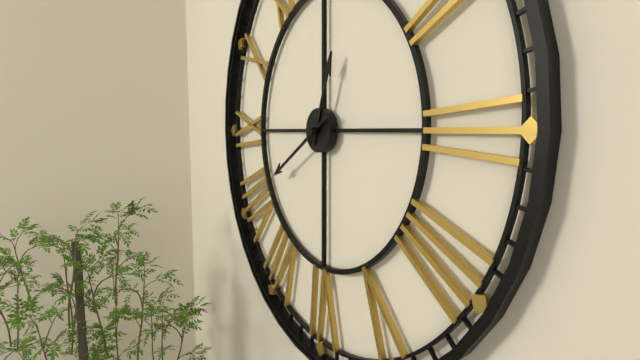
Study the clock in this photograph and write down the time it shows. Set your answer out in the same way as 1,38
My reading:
12,40
